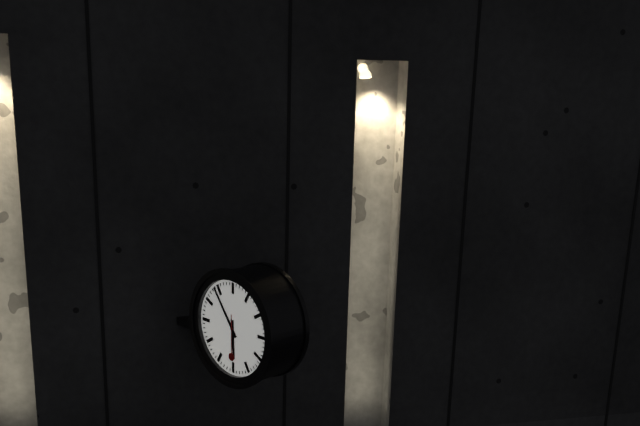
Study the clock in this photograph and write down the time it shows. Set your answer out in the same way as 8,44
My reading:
5,54
